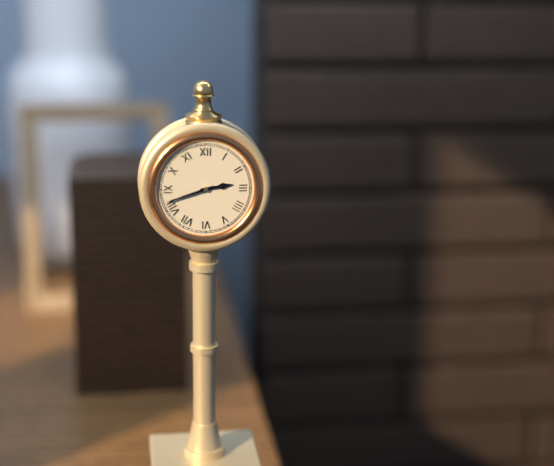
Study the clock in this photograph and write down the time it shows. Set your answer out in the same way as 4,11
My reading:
2,42
